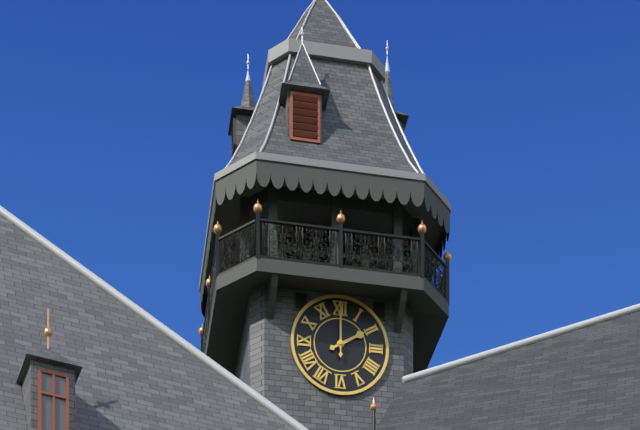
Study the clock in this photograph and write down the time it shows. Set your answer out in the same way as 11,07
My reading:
2,00
